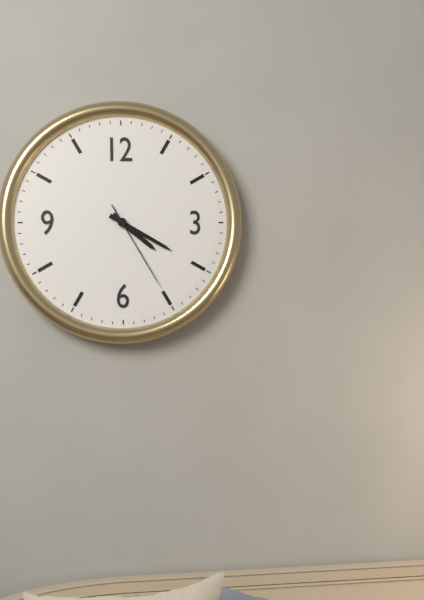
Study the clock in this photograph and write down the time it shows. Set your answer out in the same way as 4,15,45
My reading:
4,20,25
